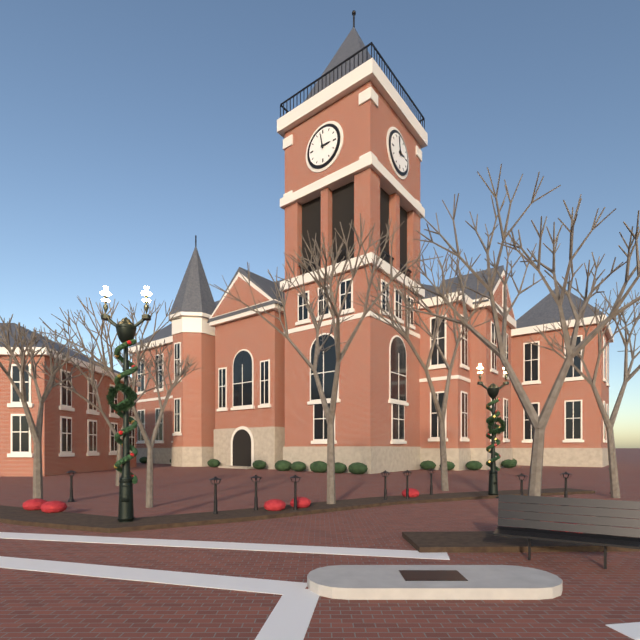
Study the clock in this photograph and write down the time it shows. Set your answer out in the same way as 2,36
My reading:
2,58
